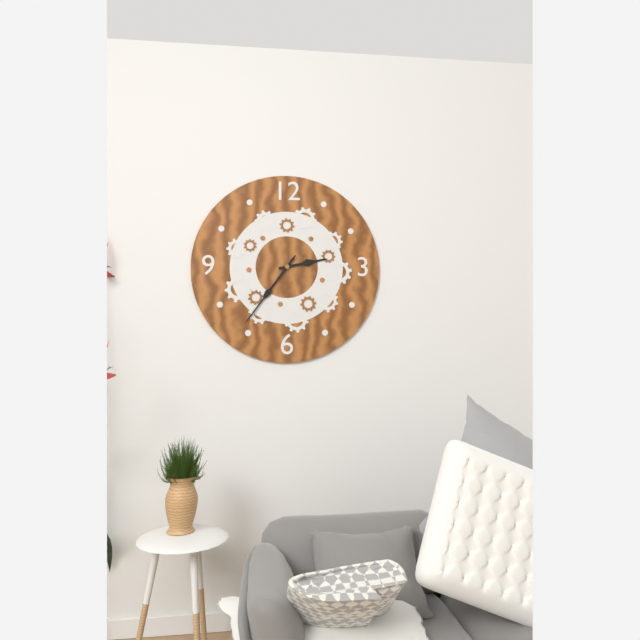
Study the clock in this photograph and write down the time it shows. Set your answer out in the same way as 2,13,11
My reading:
2,36,36
